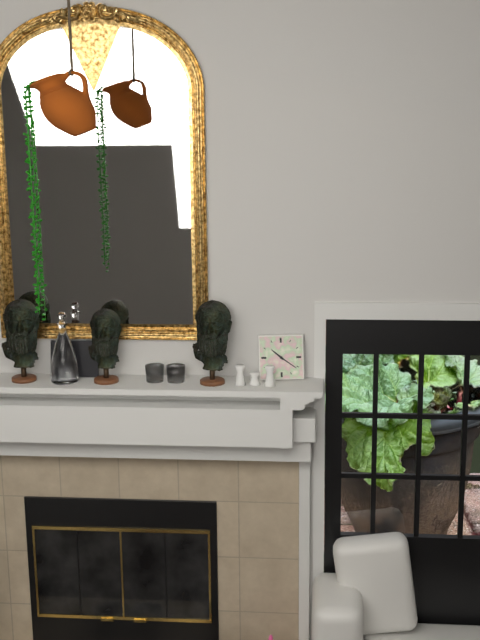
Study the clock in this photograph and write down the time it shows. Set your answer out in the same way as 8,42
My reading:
10,21
